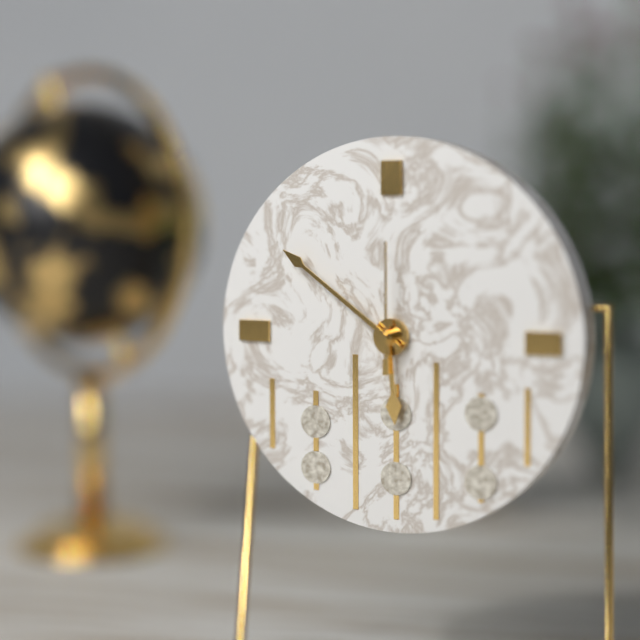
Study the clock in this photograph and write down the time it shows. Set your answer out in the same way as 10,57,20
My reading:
5,51,00
